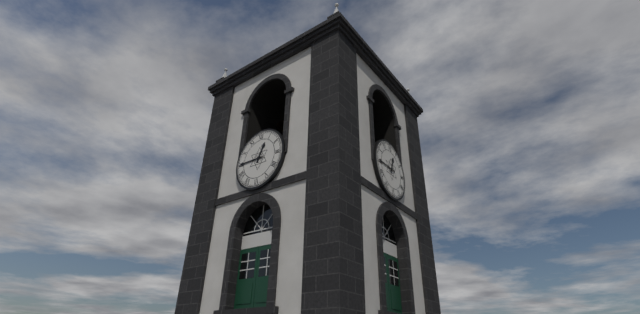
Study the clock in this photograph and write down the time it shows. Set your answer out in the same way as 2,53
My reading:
12,45
